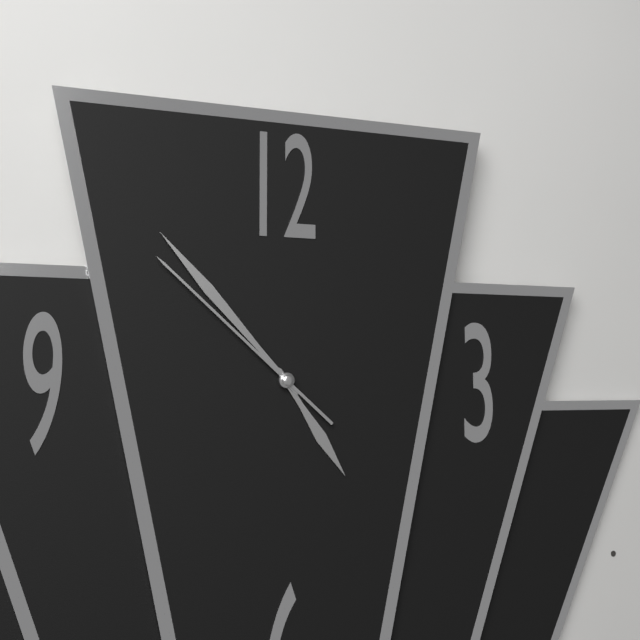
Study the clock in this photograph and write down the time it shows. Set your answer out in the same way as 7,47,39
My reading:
4,53,52
